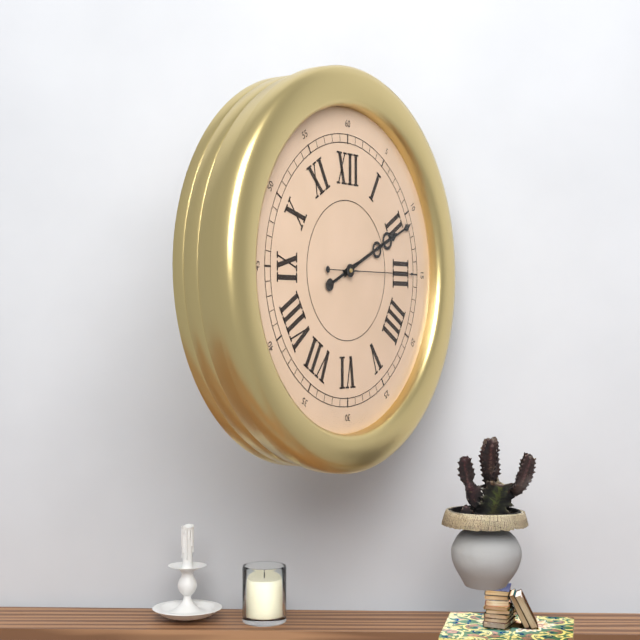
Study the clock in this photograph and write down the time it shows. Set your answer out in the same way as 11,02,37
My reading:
2,11,15
